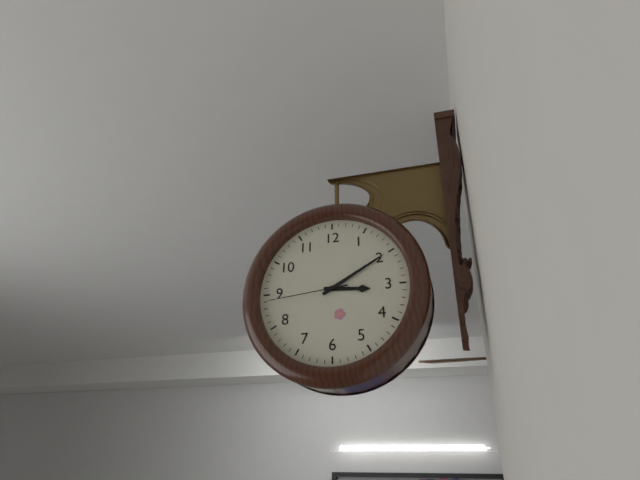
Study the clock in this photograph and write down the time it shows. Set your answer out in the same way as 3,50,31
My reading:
3,10,44
